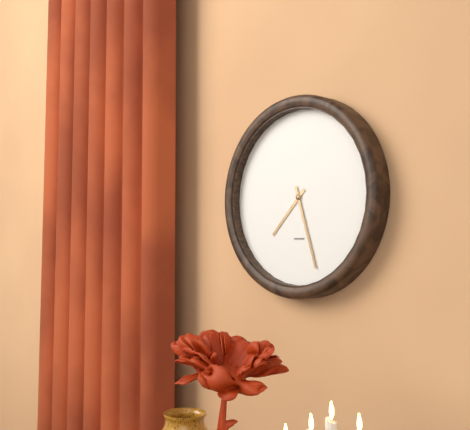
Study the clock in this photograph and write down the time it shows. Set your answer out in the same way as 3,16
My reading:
7,27
